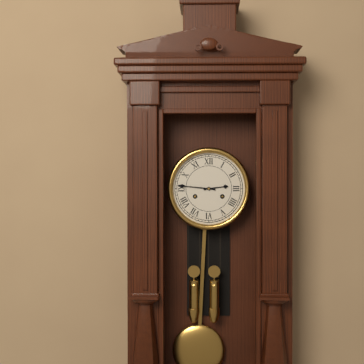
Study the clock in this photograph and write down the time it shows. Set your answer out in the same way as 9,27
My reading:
2,46
